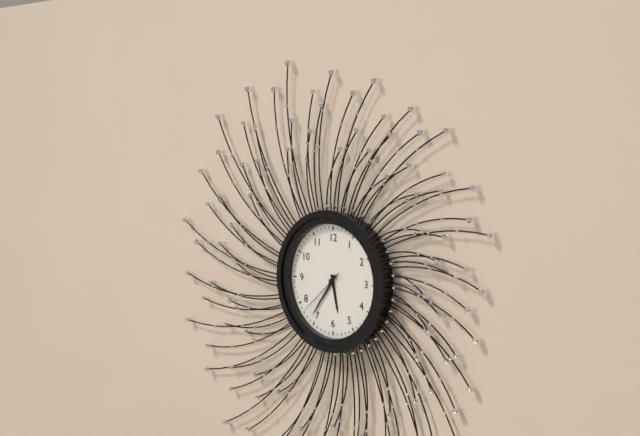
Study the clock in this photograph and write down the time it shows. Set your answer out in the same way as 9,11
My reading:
5,36
